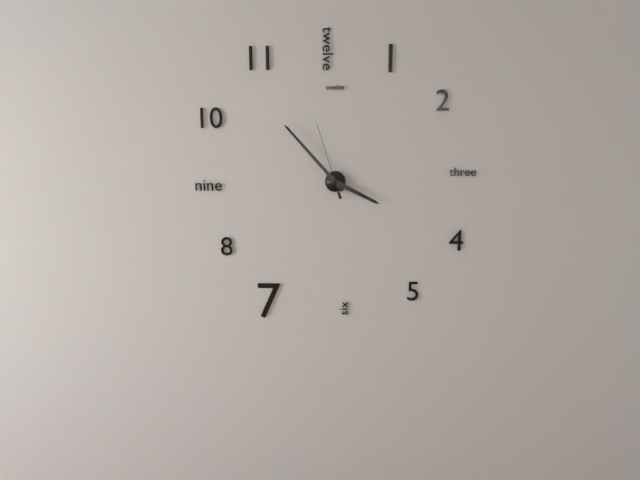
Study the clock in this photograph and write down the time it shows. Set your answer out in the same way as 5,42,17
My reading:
3,53,57
